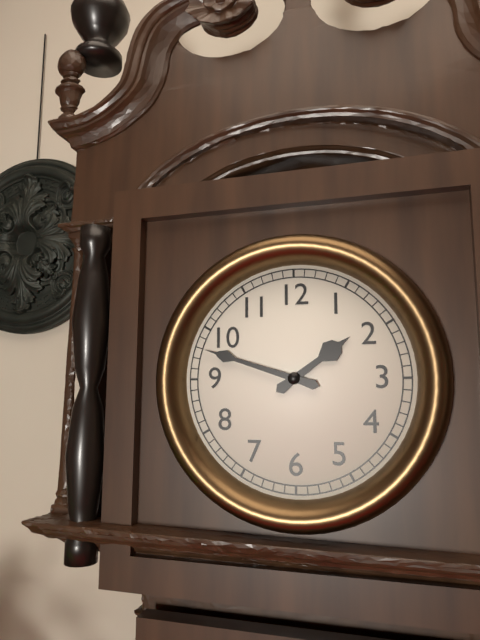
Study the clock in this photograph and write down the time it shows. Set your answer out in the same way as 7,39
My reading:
1,48
